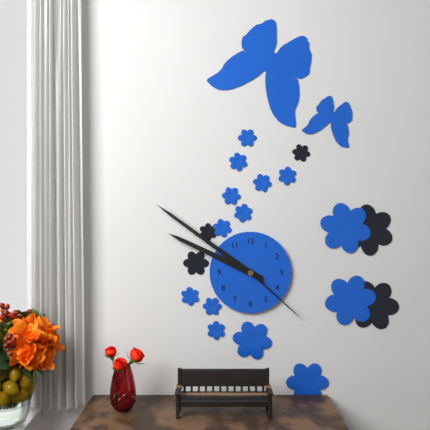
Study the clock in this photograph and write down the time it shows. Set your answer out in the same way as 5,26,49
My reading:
9,51,22
